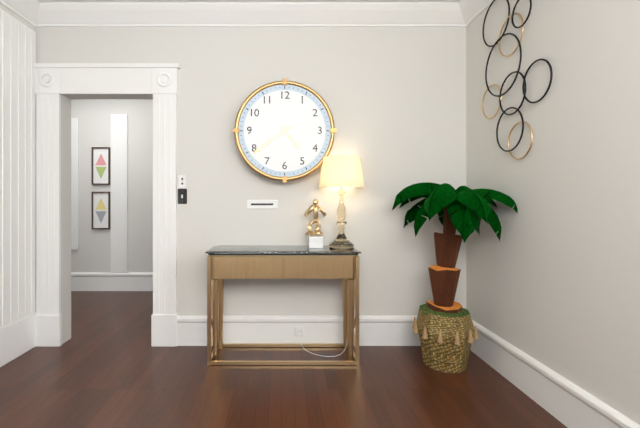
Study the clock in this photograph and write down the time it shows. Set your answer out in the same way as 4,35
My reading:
4,39
